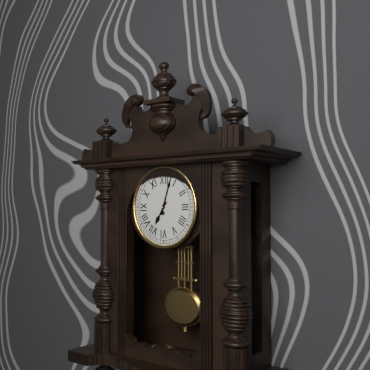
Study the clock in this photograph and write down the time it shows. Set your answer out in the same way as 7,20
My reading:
7,03
